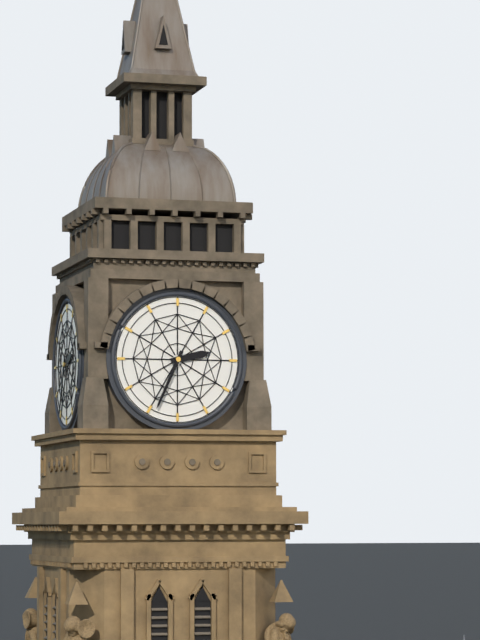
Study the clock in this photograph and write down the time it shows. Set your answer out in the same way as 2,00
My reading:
2,34
